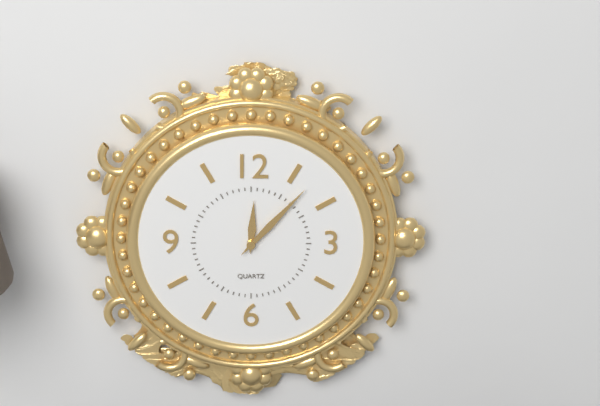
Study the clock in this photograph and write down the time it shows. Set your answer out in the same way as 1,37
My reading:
12,07
